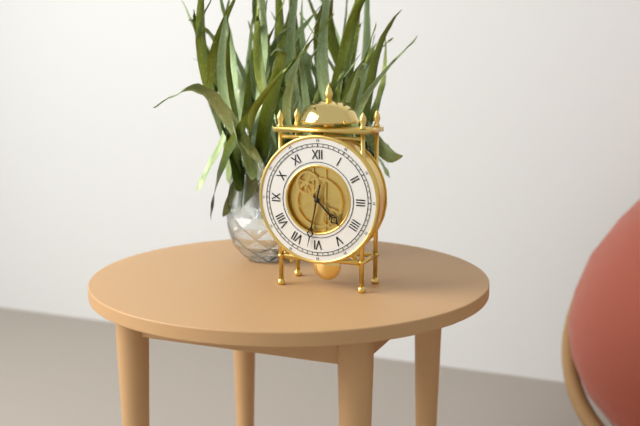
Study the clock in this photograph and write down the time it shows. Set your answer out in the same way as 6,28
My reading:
4,32
